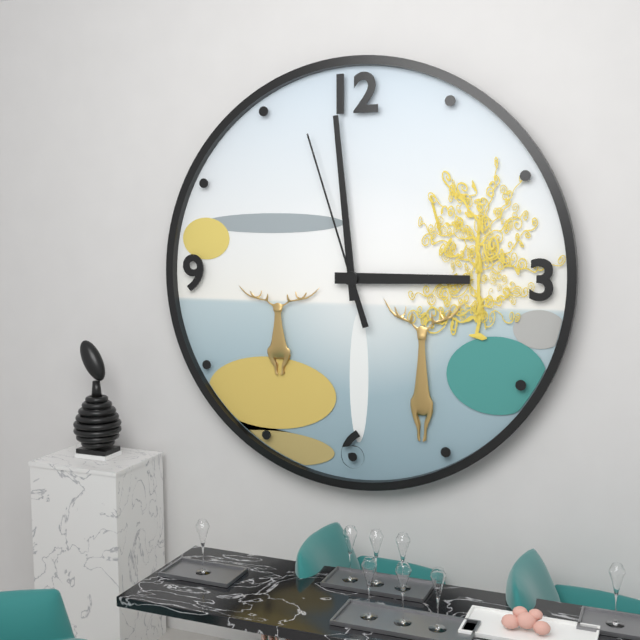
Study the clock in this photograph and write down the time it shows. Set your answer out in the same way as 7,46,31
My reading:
2,59,57
